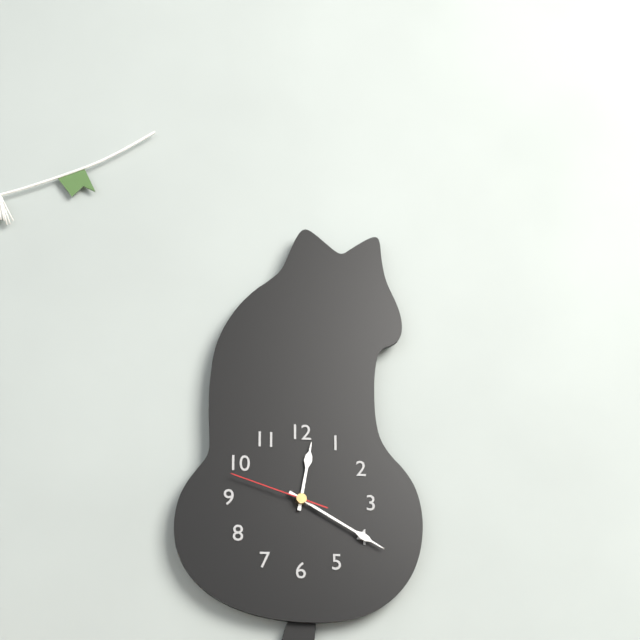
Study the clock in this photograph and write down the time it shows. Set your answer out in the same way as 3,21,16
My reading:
12,20,48
